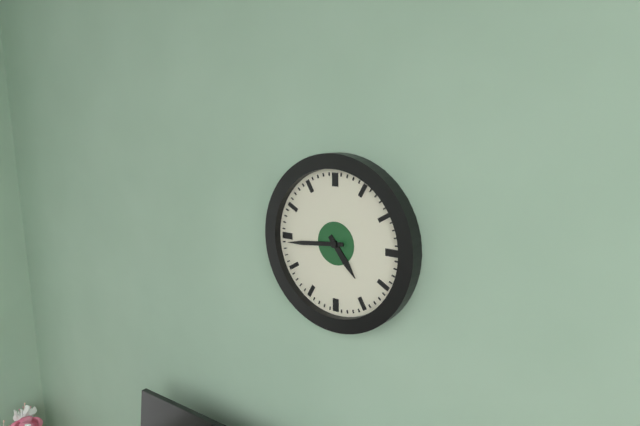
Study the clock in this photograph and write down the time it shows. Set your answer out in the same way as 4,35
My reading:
4,44
